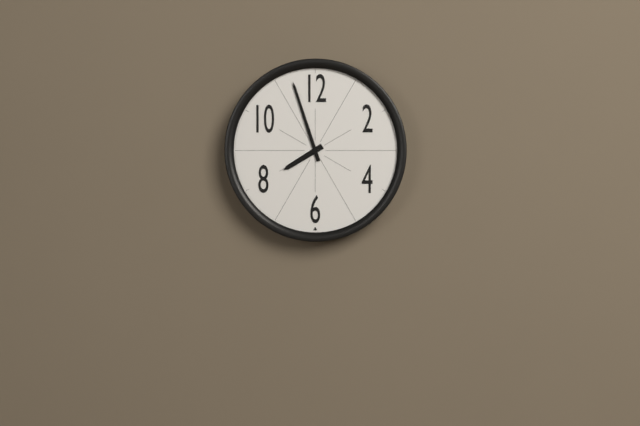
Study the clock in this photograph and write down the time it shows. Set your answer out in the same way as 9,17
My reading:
7,57
